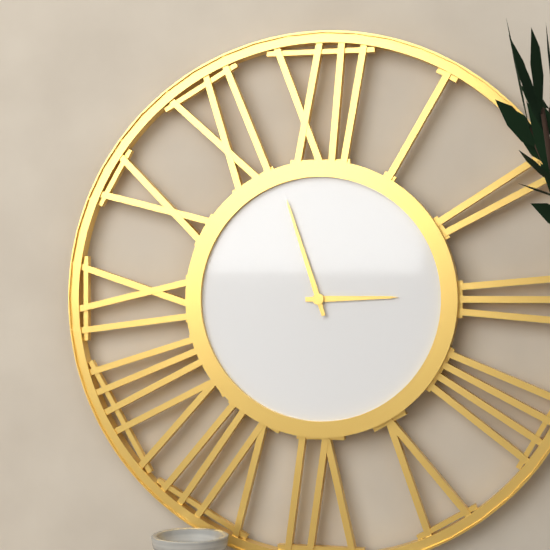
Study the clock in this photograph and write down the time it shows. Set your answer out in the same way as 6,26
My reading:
2,57
